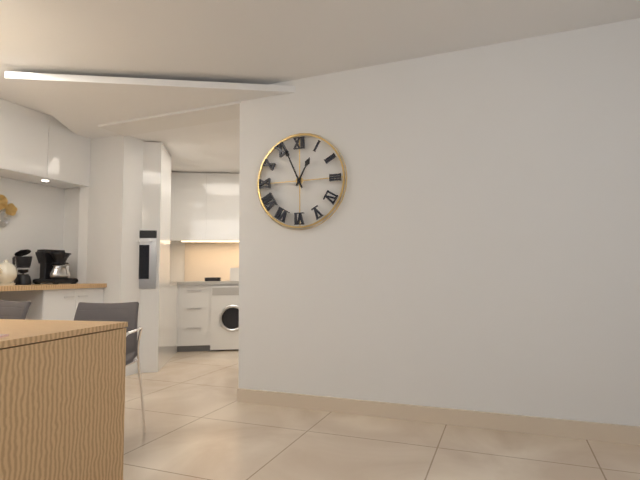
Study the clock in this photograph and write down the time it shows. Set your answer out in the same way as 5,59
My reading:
12,56
